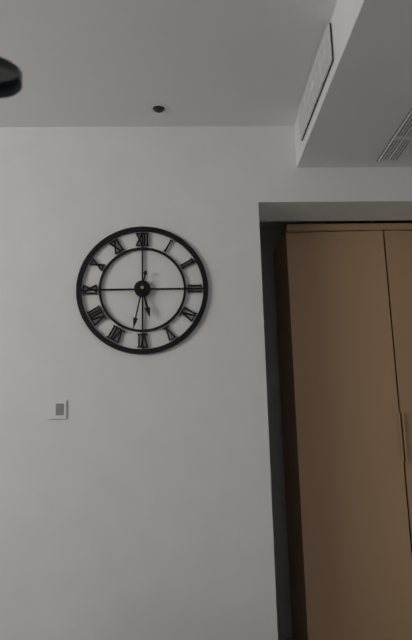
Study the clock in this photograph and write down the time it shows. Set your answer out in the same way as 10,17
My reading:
5,32
